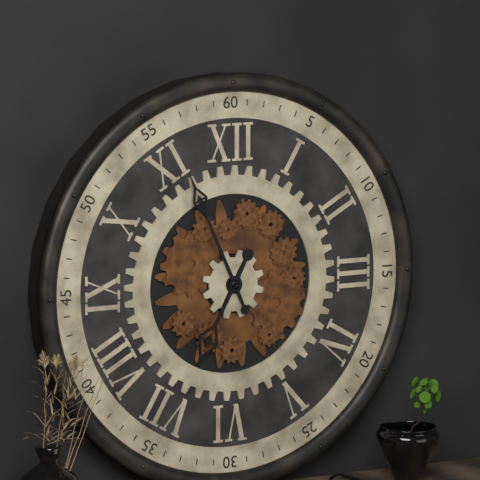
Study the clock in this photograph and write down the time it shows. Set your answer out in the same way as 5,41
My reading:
6,56
